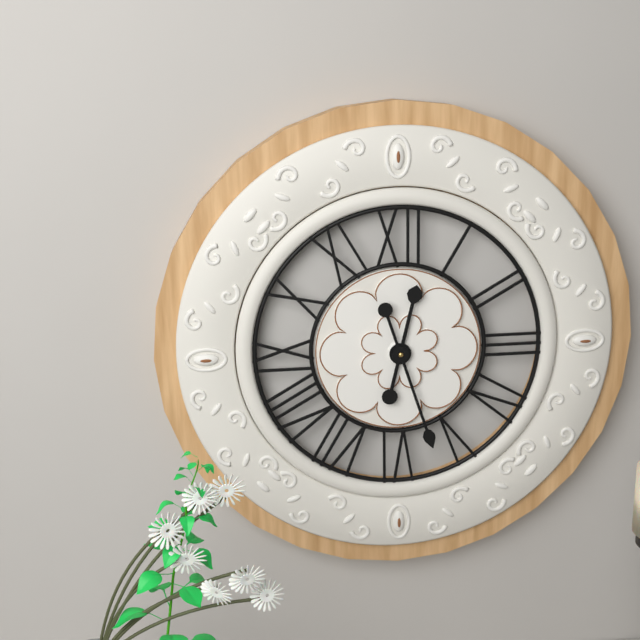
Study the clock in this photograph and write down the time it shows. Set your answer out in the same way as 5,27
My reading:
12,27
